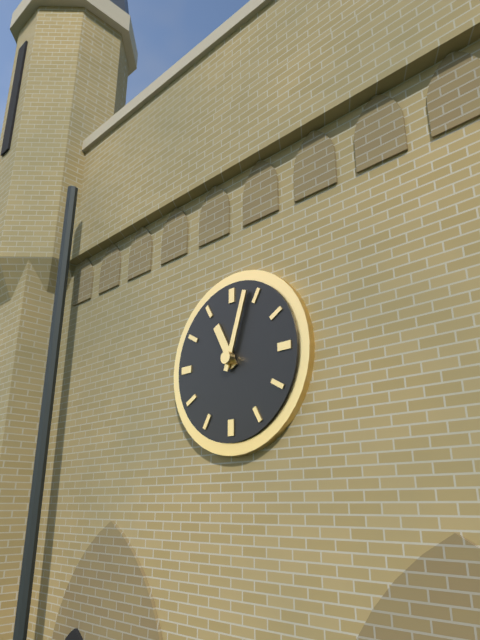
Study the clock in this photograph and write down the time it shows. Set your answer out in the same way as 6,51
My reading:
11,03
